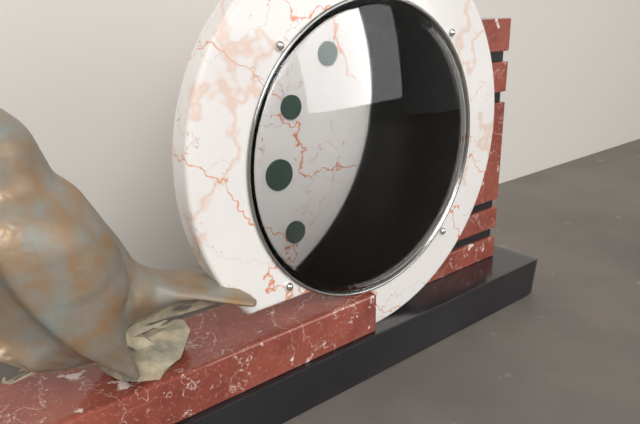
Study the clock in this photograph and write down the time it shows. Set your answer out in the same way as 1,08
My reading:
4,29
